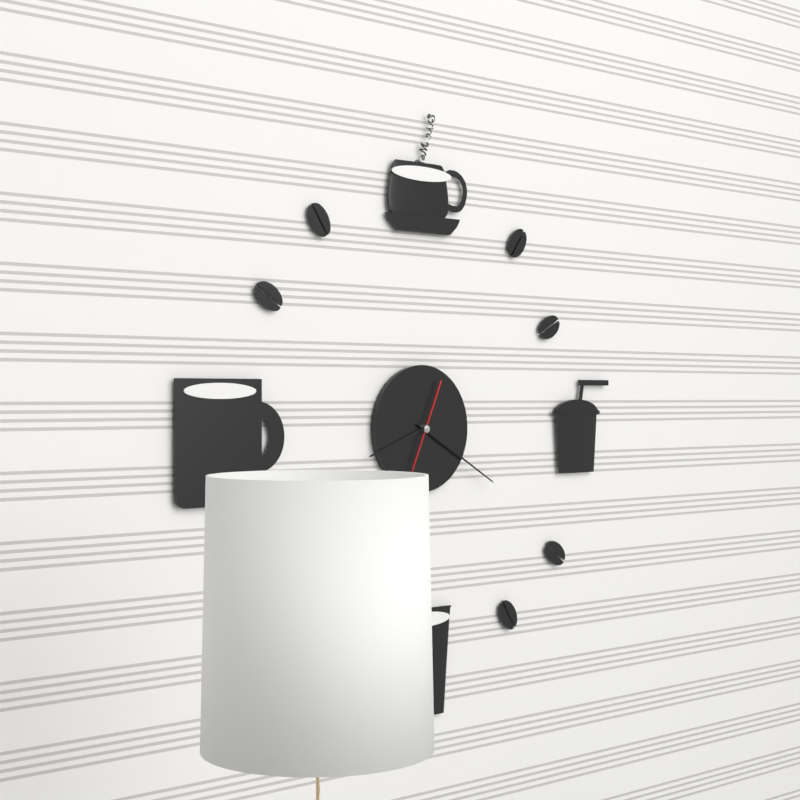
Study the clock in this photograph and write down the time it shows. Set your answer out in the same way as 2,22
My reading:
8,20
